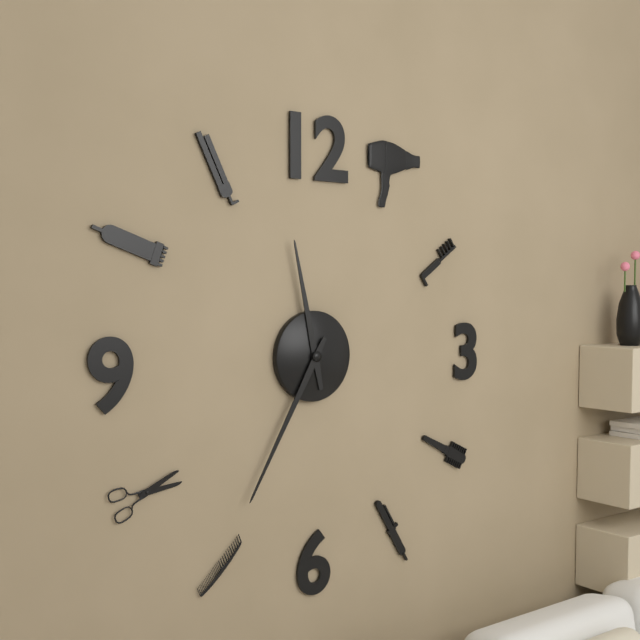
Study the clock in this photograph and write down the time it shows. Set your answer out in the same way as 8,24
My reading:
11,35
